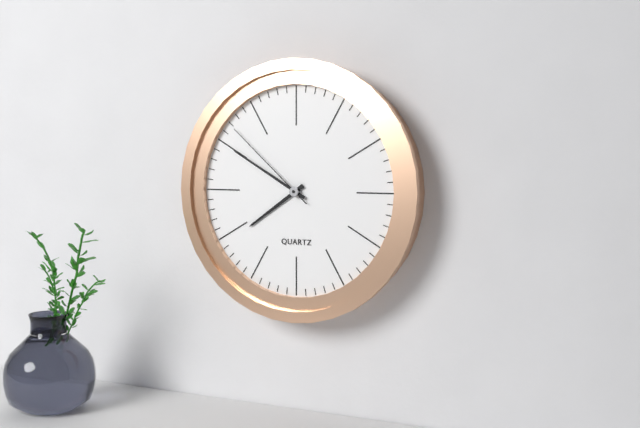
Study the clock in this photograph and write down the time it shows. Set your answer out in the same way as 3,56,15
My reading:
7,50,52
